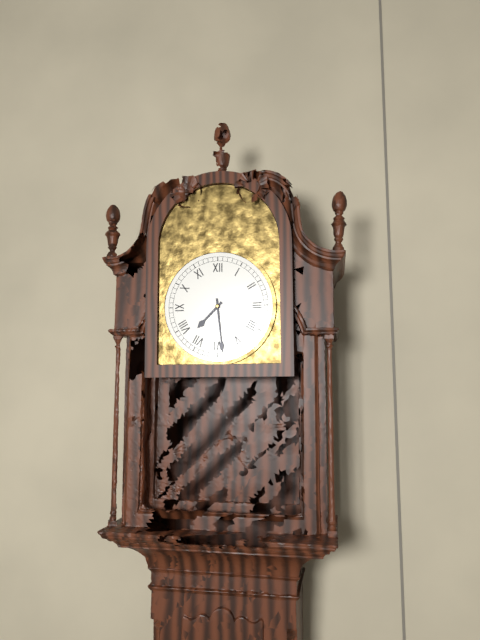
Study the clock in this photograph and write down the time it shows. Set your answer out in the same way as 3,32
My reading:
7,29
